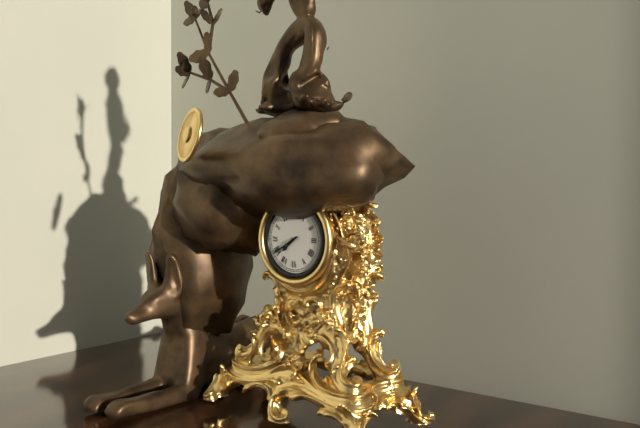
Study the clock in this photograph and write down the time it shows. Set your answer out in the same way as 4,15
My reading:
7,40
